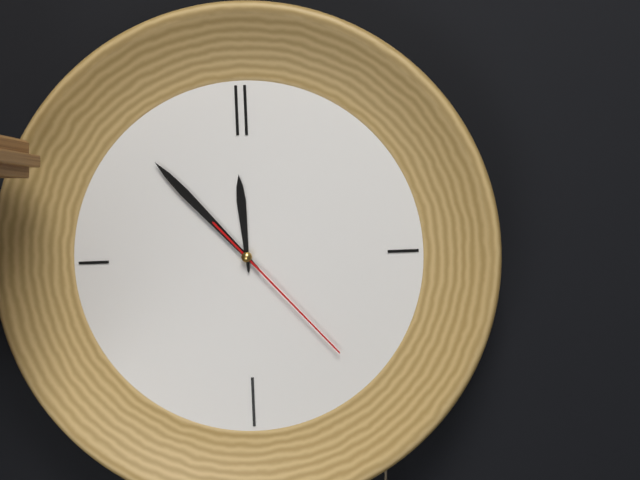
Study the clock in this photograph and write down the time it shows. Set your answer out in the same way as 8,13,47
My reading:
11,53,23
